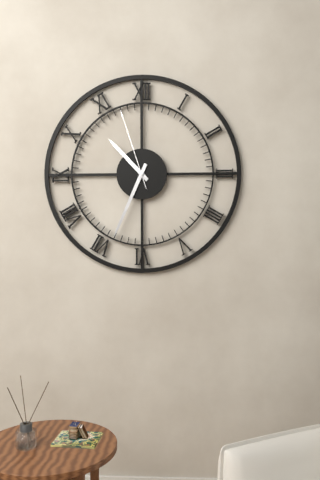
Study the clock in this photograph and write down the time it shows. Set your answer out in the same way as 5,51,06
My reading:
10,34,57
